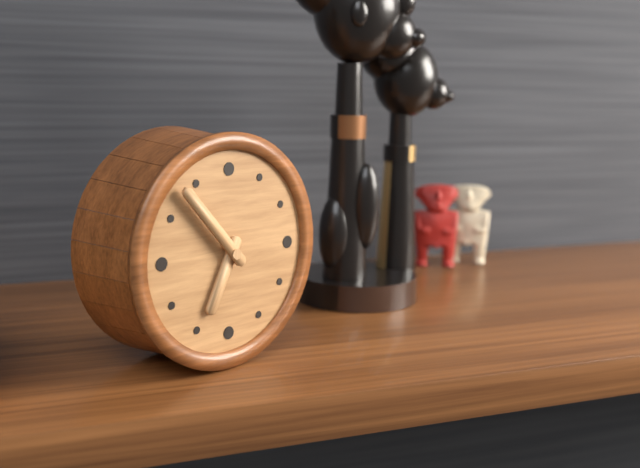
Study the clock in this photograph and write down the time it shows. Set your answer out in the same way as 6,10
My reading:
6,53
